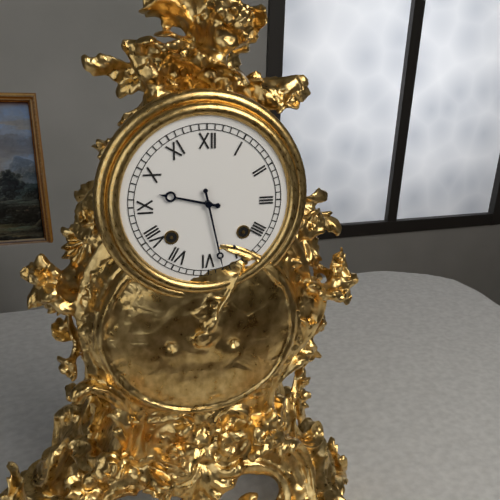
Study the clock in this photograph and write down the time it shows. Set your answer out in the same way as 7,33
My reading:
9,28
